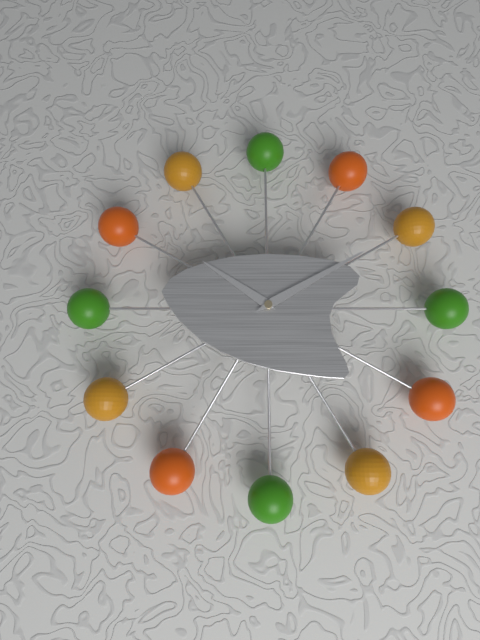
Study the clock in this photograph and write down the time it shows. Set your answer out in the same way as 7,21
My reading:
10,10
